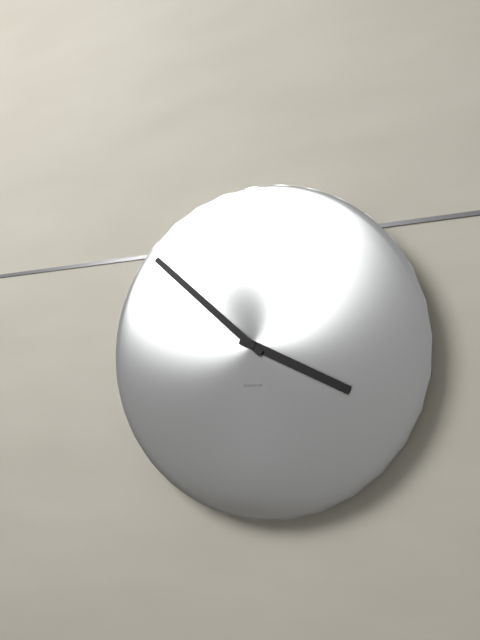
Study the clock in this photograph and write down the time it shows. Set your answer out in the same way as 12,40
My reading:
3,52
